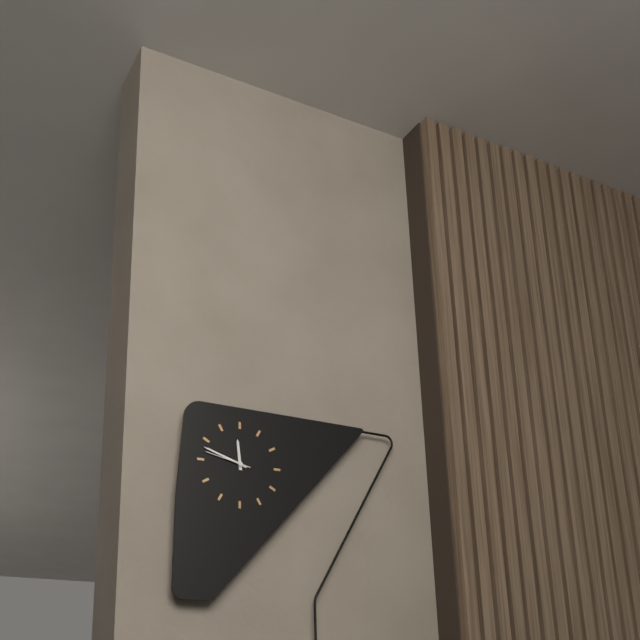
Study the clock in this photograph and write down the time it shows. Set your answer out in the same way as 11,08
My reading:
11,48
